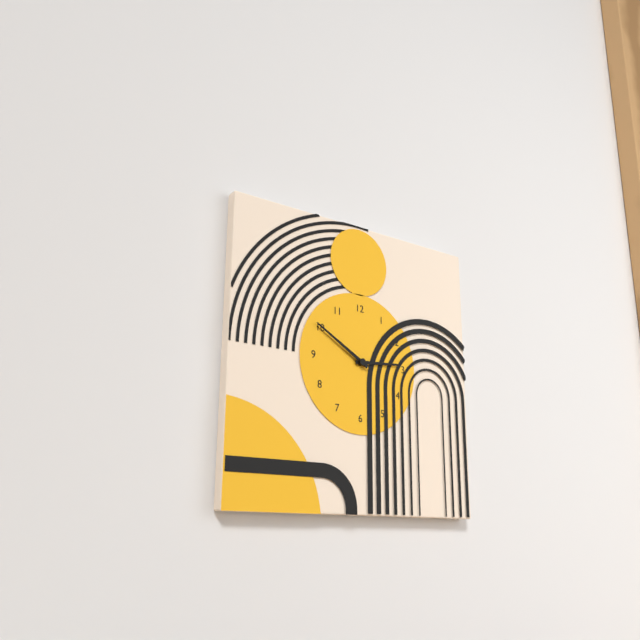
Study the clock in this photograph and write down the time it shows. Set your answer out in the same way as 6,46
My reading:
2,50
